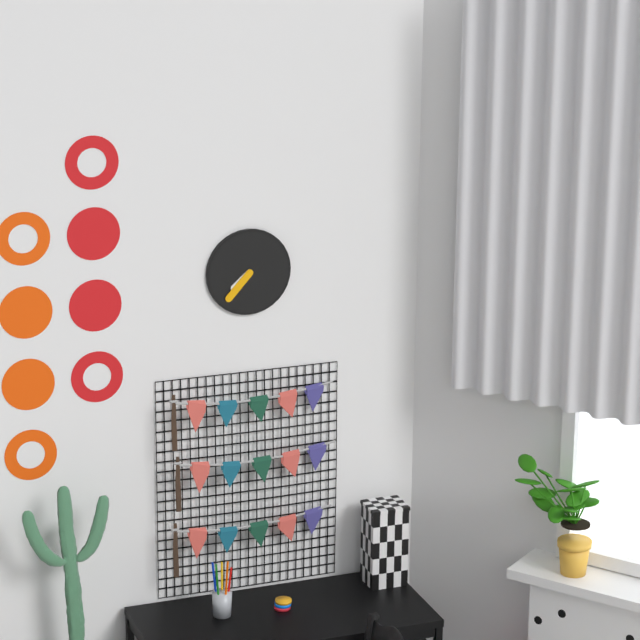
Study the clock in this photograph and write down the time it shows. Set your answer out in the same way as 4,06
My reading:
7,37
